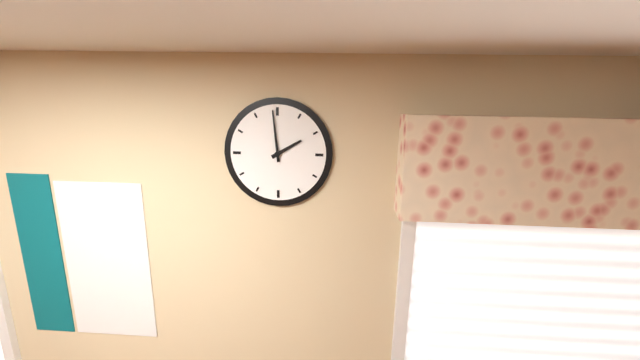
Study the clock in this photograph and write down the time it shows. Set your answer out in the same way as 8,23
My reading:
1,59
